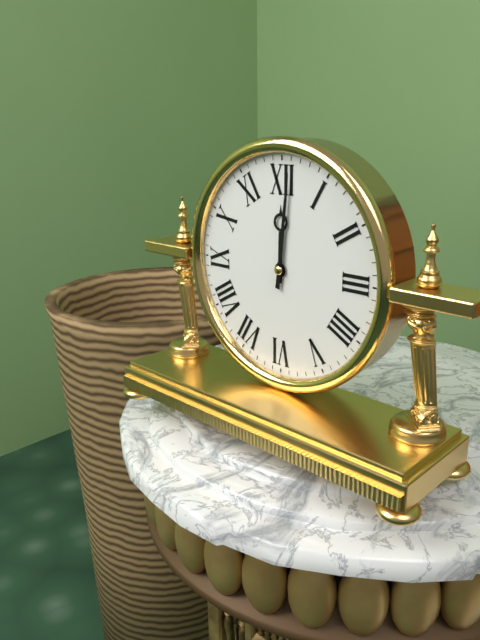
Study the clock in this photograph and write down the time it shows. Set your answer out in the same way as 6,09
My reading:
12,01
